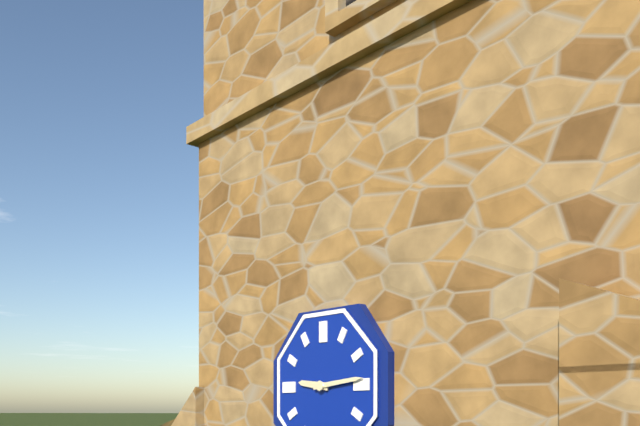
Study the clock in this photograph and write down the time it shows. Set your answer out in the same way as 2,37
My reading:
9,14
